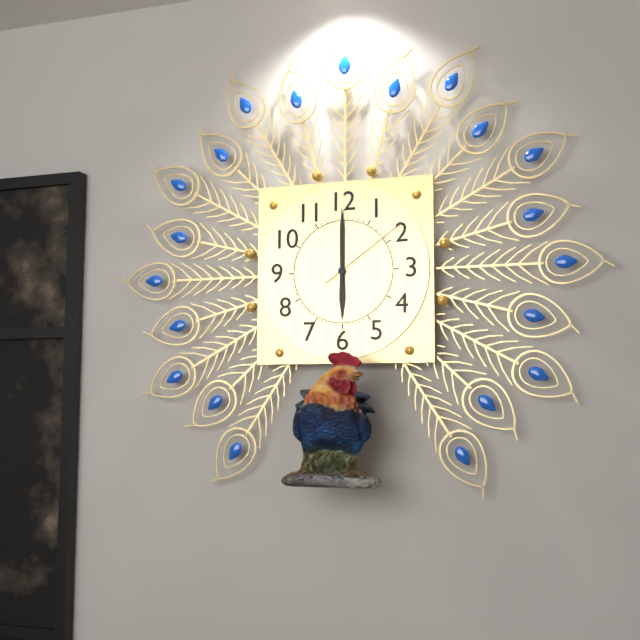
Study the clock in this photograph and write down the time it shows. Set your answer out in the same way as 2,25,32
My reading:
6,00,09
